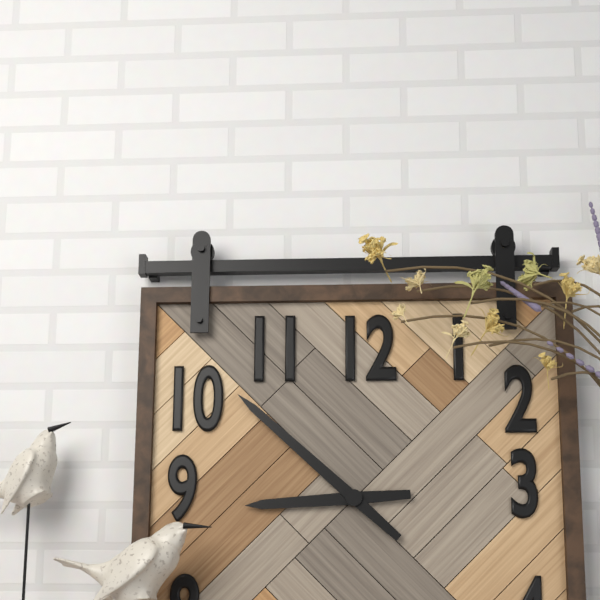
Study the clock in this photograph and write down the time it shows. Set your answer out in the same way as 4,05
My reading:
8,52
